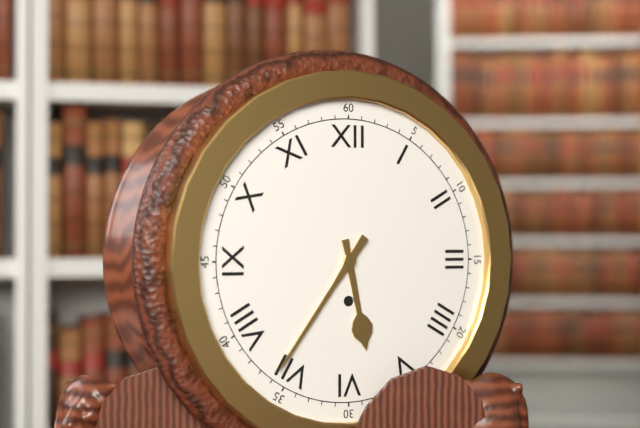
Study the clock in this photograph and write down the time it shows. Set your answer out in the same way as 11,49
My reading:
5,36
